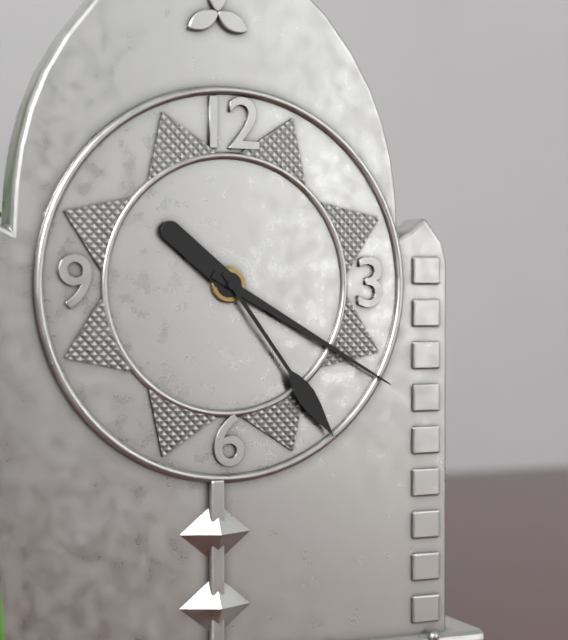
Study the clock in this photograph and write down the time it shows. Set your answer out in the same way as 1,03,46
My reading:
10,20,24
